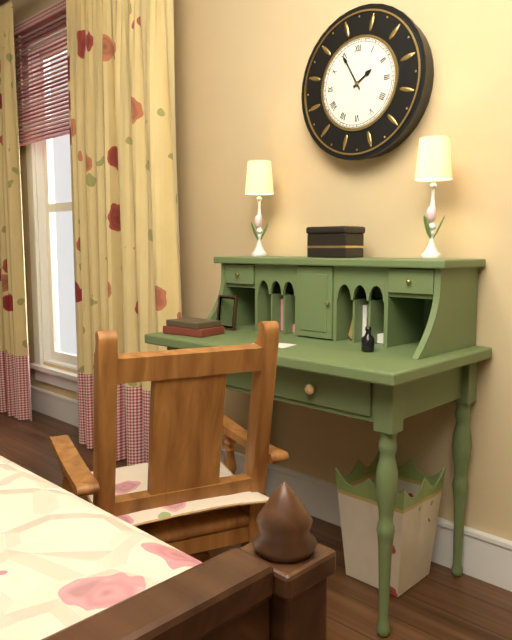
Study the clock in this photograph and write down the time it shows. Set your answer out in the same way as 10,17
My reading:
1,55
